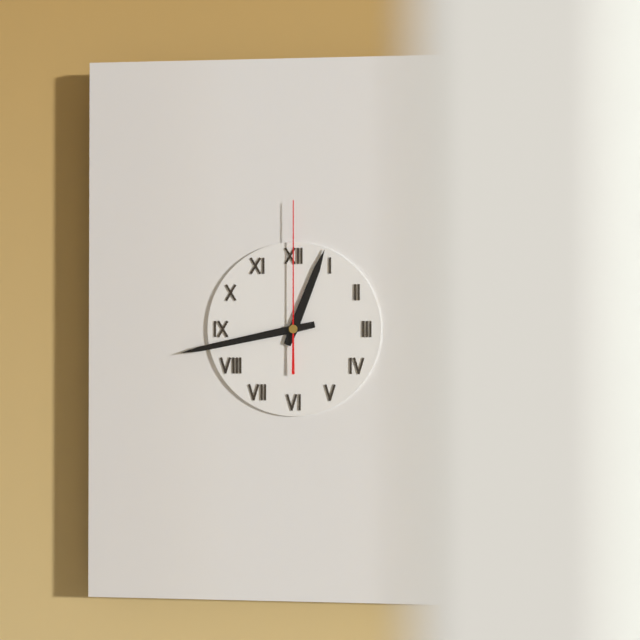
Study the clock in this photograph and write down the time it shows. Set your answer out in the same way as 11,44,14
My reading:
12,43,00
